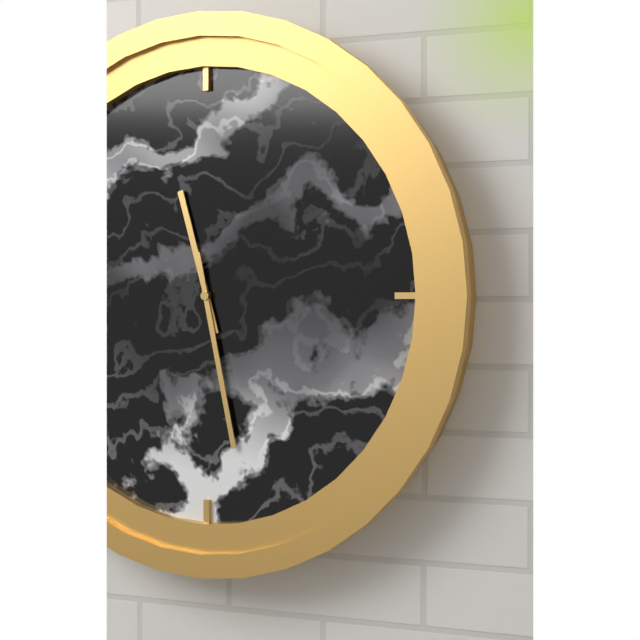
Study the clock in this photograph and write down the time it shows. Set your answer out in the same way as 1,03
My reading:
11,28
